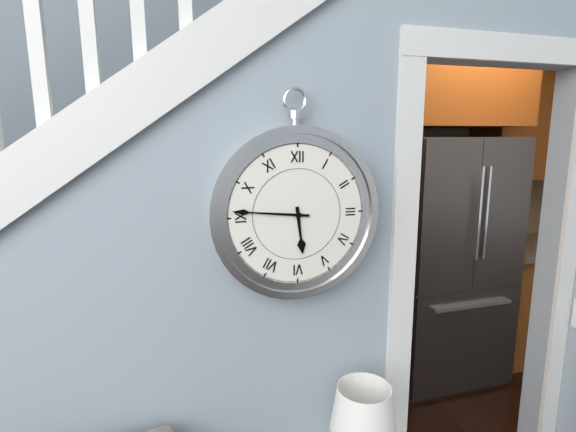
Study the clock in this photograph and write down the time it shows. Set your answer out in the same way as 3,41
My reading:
5,46
